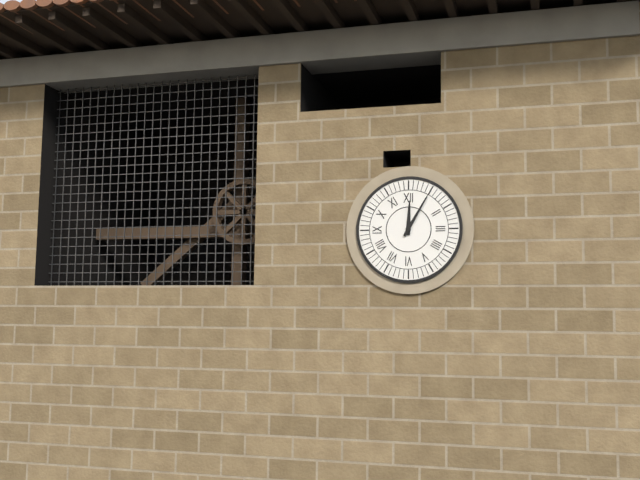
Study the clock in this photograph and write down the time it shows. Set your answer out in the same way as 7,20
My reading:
12,05
